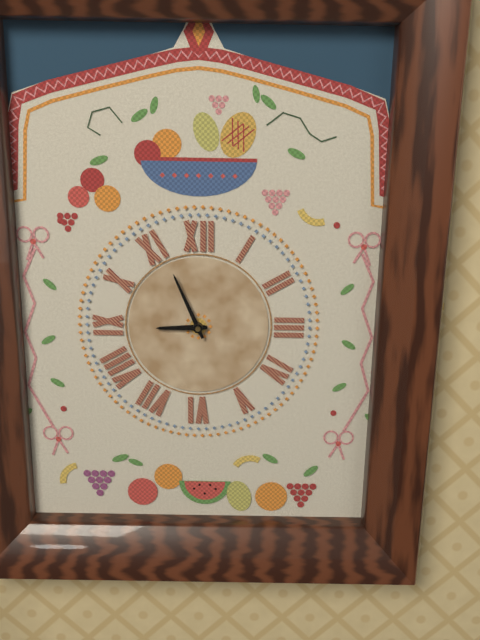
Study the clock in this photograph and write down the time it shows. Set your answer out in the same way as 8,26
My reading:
8,56
